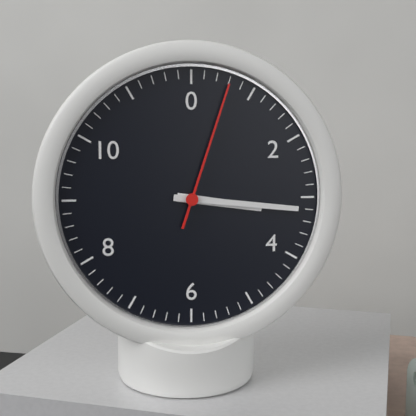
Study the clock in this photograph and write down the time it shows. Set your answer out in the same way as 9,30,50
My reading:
3,16,03
